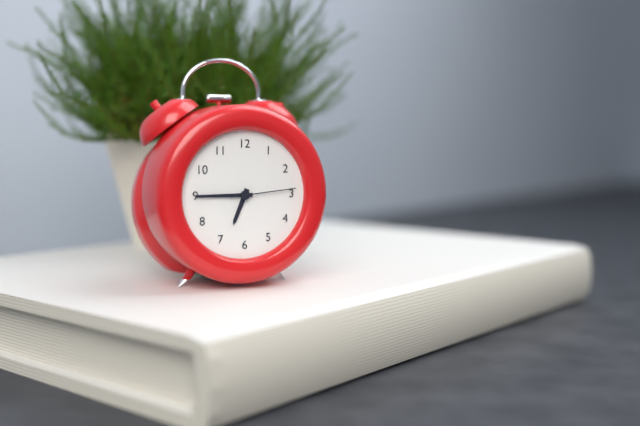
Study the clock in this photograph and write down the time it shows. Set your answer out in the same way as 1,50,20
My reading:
6,45,14
